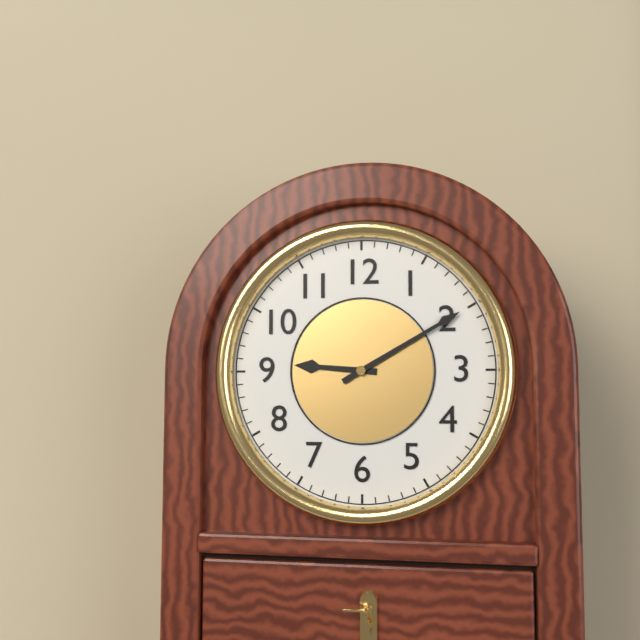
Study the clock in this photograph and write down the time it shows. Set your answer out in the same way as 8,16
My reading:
9,10
